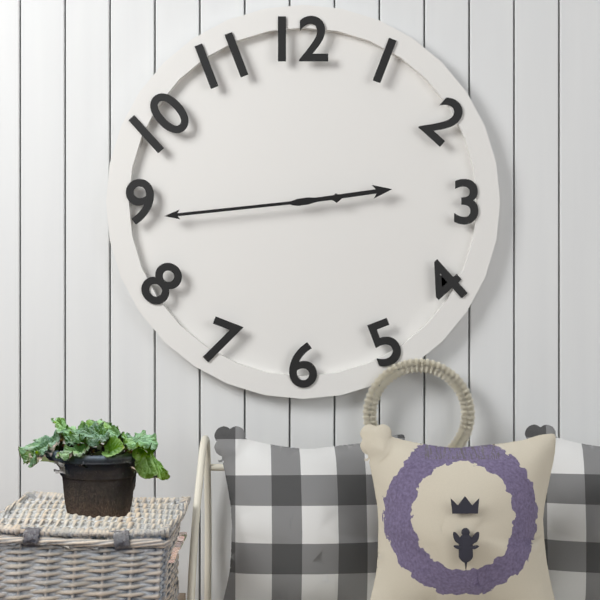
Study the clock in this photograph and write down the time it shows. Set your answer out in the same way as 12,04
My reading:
2,44
